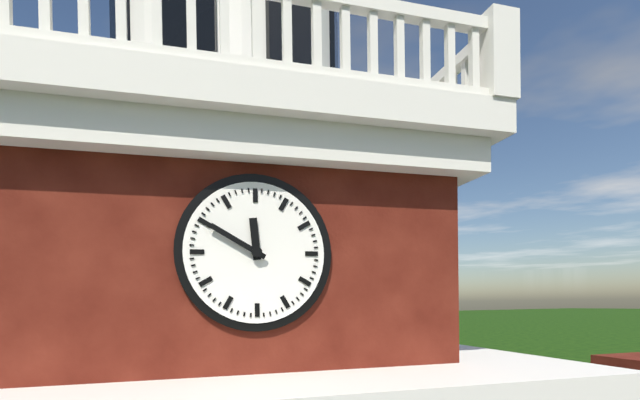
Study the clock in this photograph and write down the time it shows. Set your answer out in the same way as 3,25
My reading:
11,50
